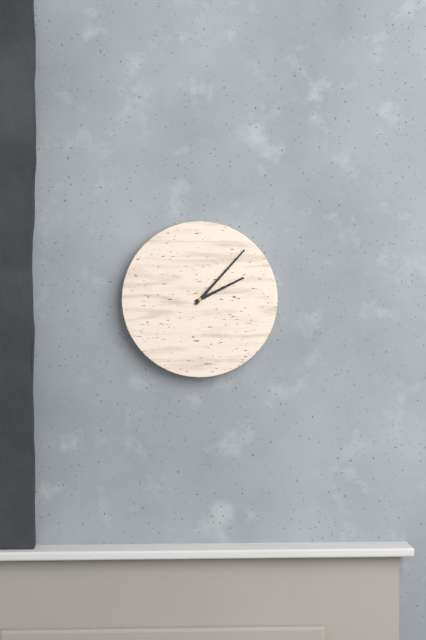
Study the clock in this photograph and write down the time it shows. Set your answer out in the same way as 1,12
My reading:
2,07
